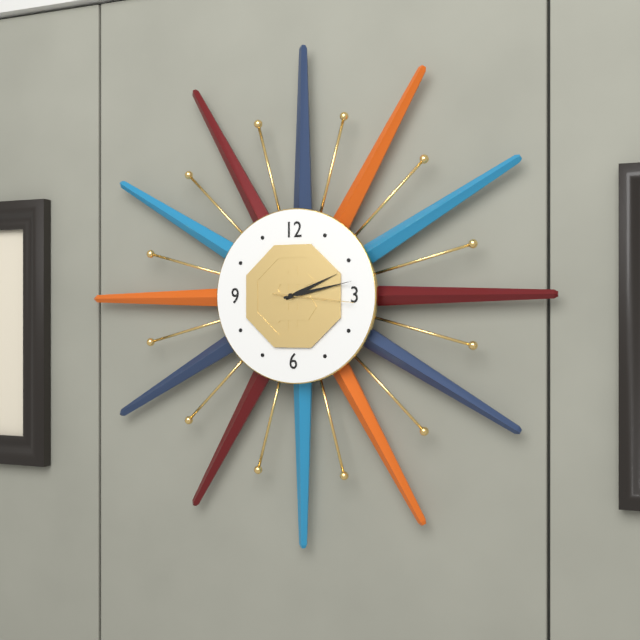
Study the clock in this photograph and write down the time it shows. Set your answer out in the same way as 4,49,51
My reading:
2,13,16
